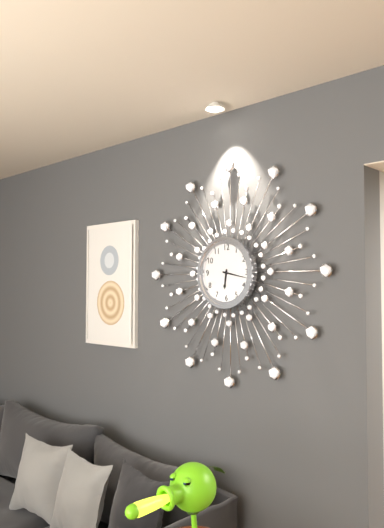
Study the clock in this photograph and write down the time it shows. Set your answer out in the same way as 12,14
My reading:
6,17
